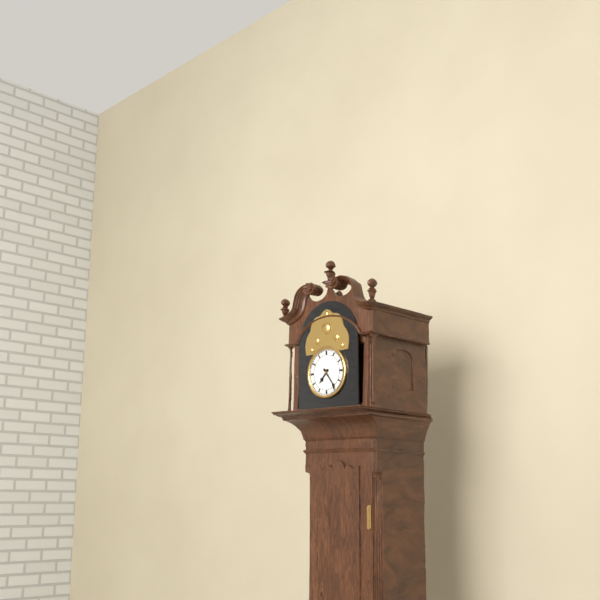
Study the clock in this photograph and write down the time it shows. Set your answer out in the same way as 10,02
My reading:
7,24
